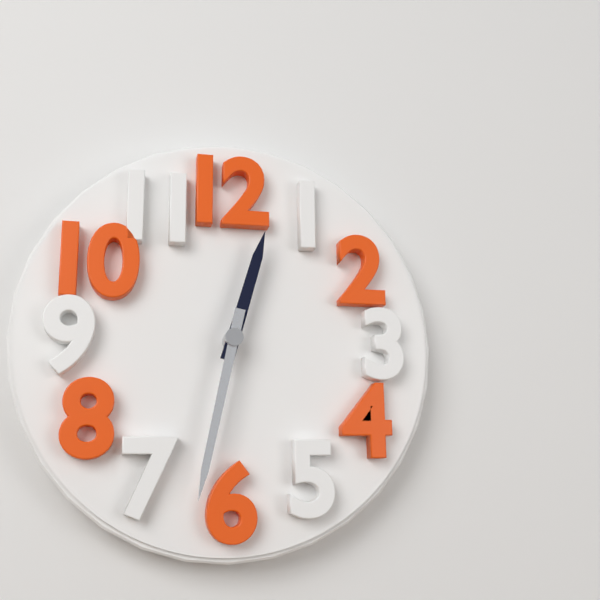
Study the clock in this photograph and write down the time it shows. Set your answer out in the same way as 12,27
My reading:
12,32
